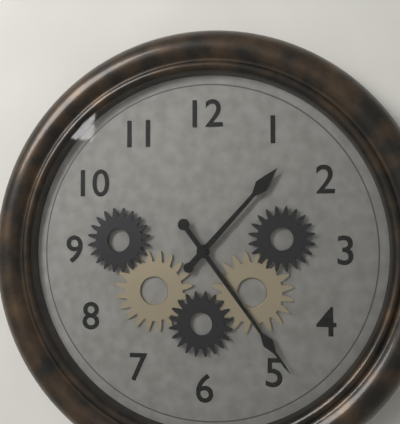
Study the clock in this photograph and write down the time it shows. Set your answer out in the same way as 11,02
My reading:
1,24
